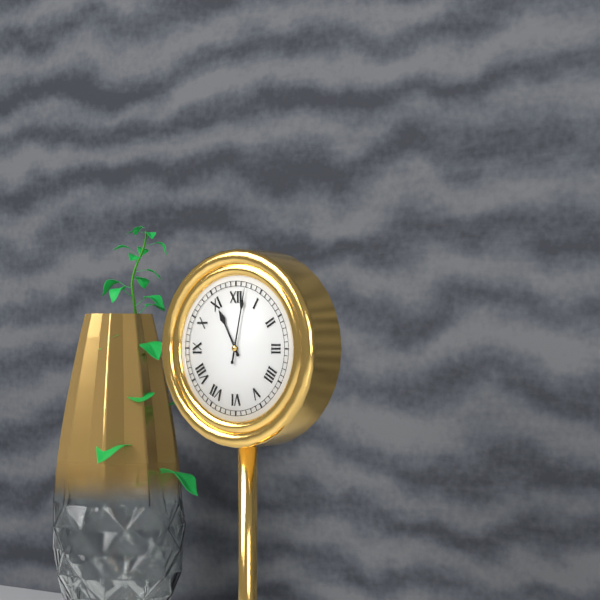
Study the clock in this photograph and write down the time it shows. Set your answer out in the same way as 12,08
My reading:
11,02
